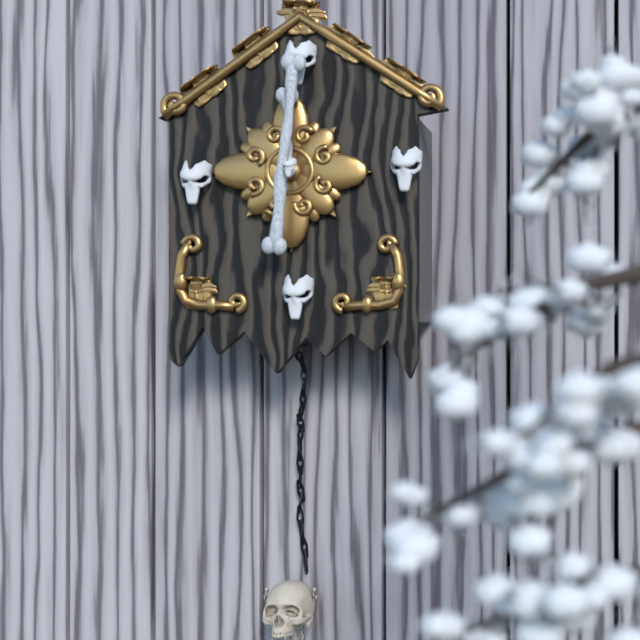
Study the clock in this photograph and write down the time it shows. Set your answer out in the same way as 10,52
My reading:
12,01
